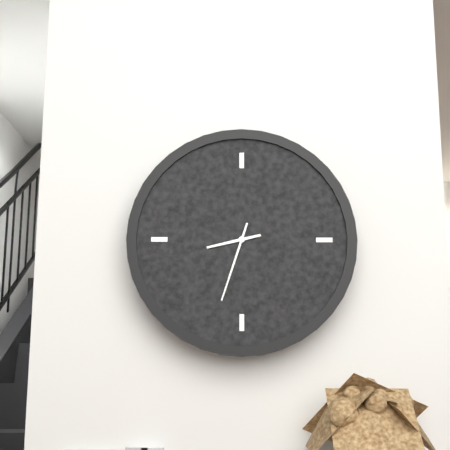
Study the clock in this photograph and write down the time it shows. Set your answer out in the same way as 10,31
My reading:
8,33
